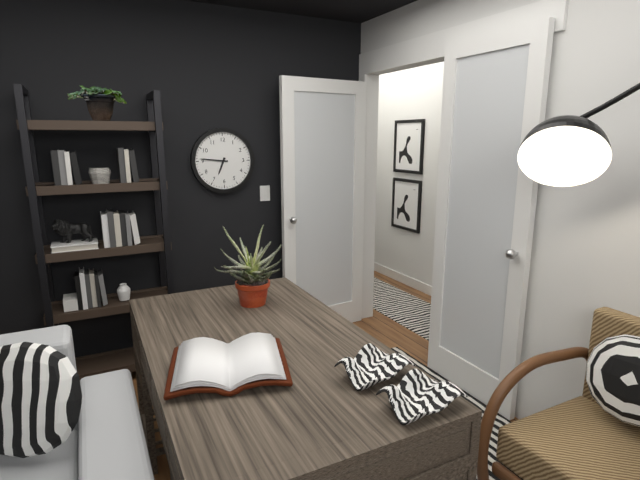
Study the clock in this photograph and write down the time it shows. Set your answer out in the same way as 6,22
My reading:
6,46
